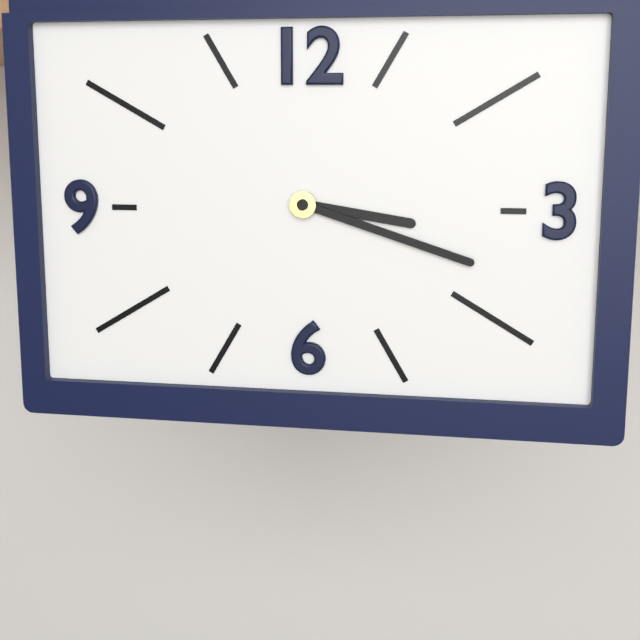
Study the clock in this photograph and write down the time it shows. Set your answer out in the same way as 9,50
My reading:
3,18
